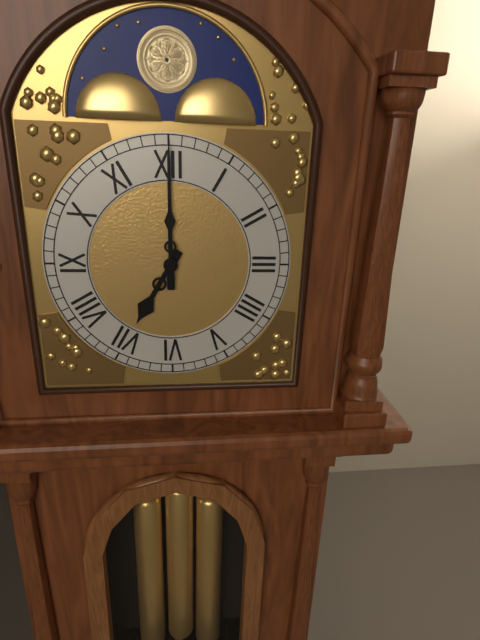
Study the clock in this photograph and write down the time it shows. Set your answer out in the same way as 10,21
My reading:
7,00
